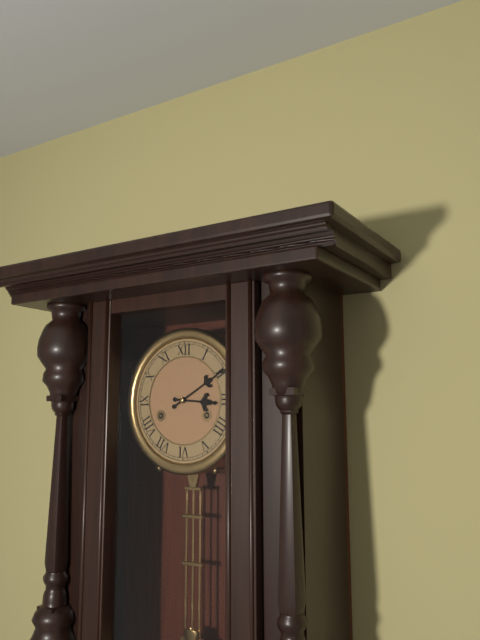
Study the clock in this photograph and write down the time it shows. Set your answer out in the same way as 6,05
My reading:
3,10
